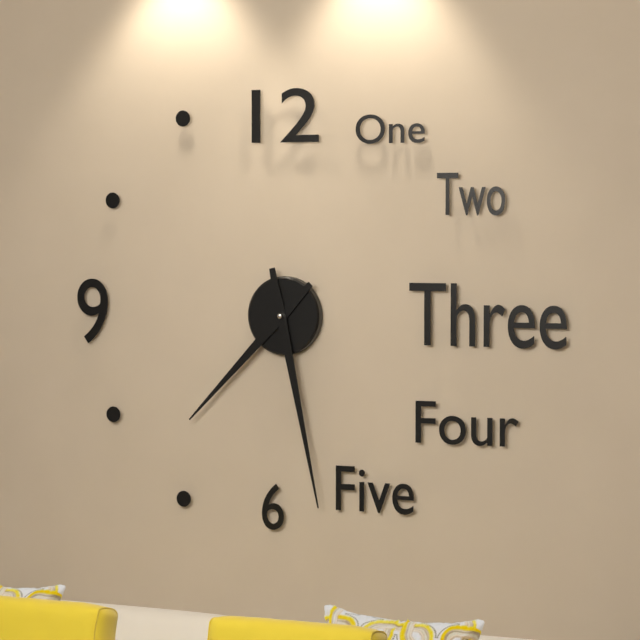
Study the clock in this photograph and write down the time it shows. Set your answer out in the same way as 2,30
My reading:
7,28
